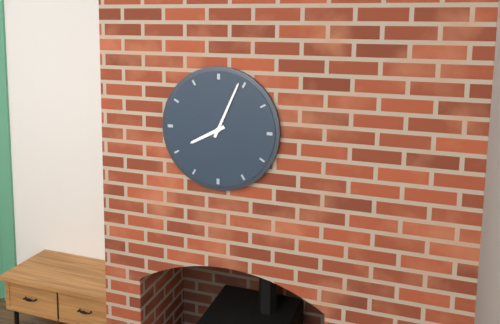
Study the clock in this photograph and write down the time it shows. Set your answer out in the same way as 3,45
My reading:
8,04
